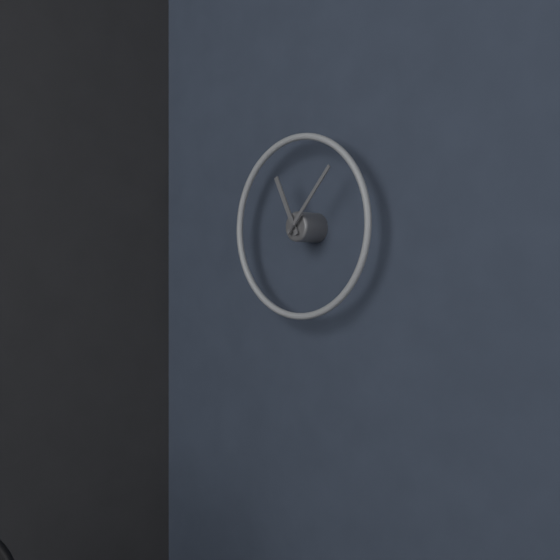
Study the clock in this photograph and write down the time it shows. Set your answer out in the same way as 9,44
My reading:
11,07
